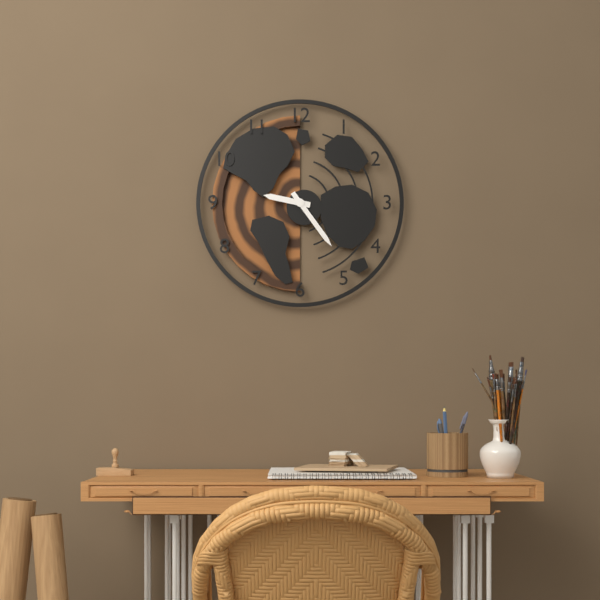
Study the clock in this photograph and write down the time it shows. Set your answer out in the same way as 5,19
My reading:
9,24
